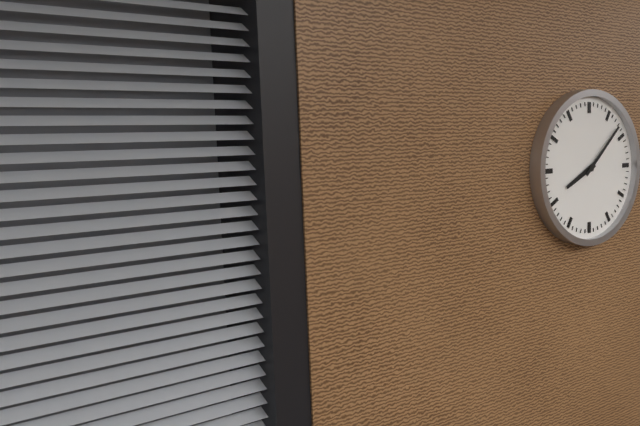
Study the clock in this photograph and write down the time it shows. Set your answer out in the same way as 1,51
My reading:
8,08
